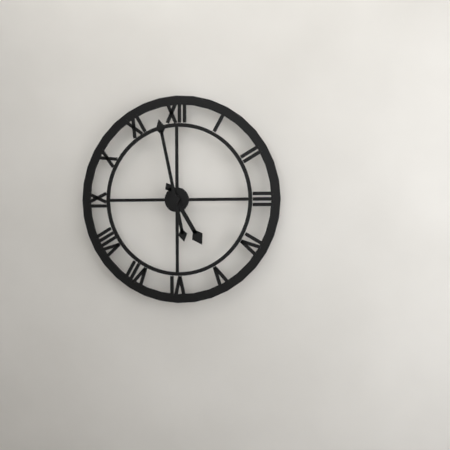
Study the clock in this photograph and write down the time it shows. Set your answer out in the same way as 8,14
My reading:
4,58
